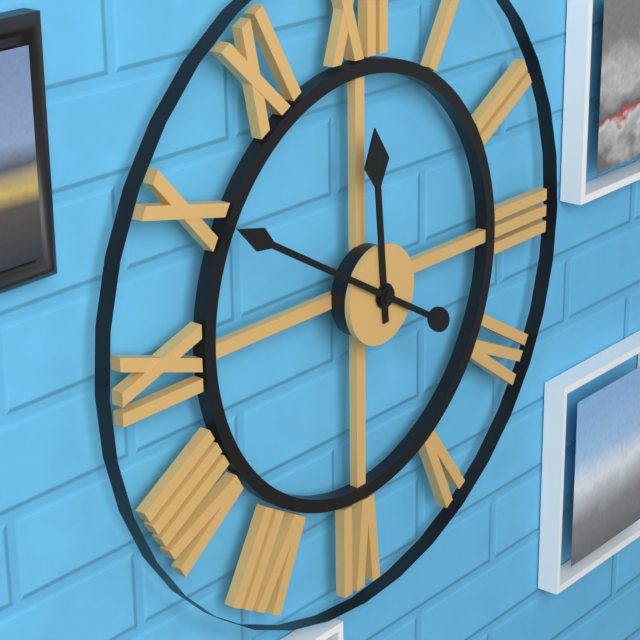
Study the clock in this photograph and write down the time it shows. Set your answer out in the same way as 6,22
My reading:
11,50
